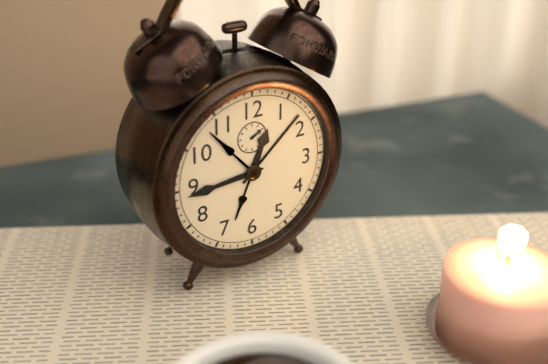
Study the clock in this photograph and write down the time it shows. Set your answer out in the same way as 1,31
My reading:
12,44
